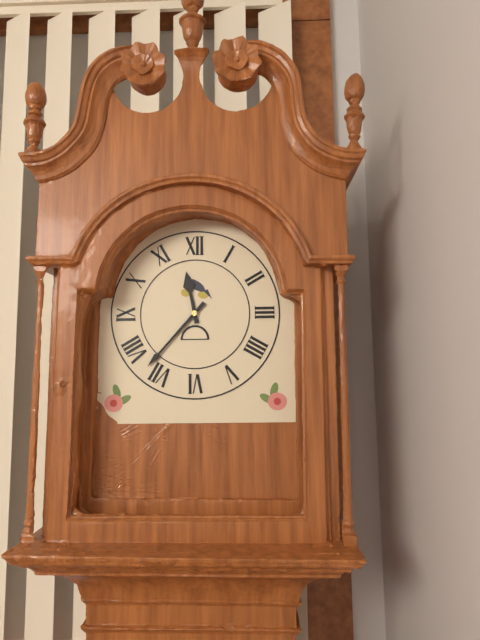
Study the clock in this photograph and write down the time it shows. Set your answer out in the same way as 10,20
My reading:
11,37
